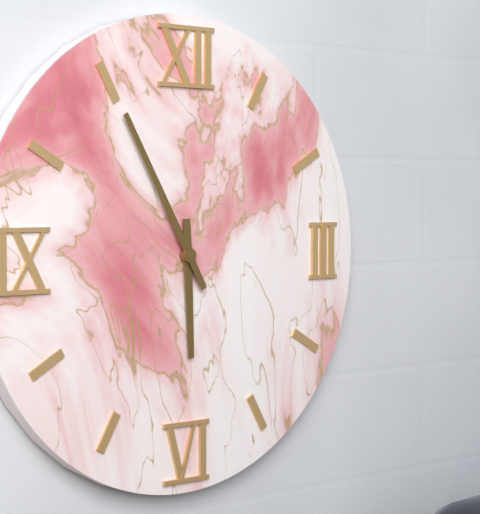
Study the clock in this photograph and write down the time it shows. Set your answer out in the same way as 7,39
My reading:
5,55
